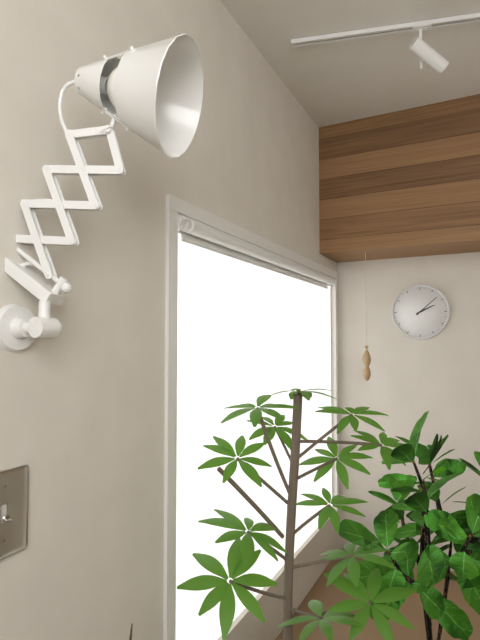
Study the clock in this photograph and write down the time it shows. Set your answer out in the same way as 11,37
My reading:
2,08
